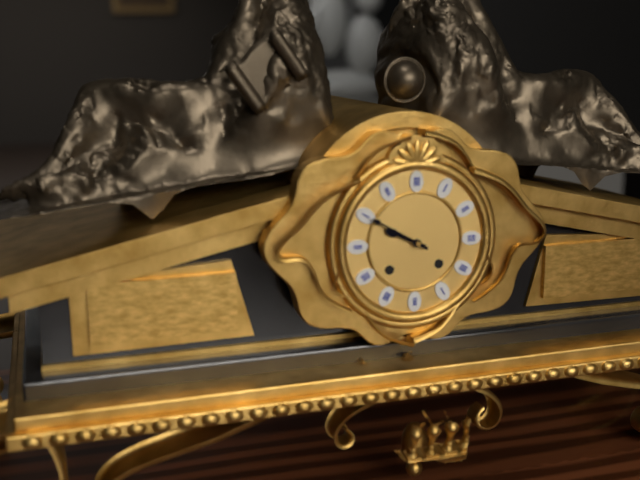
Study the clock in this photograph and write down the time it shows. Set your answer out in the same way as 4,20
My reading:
9,50
